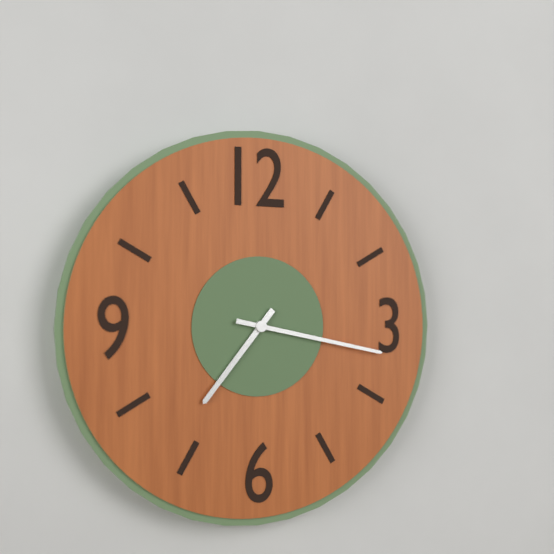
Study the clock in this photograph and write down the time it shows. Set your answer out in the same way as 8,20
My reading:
7,17
